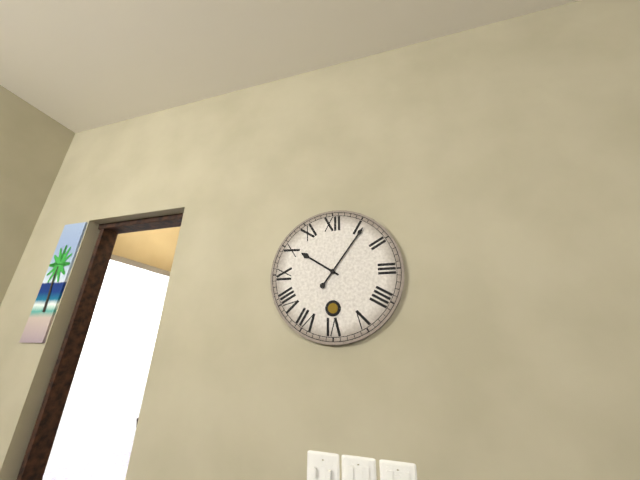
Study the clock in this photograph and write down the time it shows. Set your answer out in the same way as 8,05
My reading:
10,06
